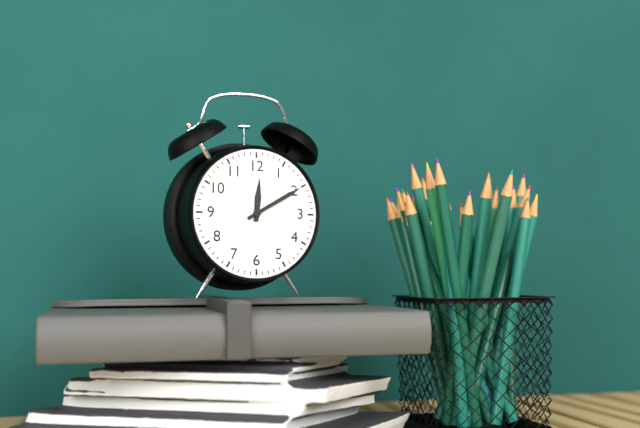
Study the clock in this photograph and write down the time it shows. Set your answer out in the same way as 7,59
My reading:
12,10
